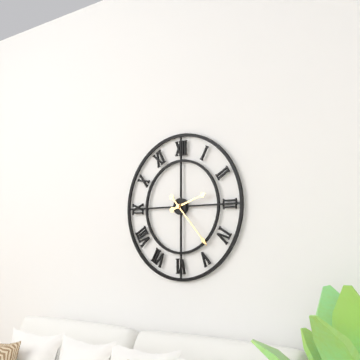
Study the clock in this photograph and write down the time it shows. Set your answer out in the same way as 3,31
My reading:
2,23
